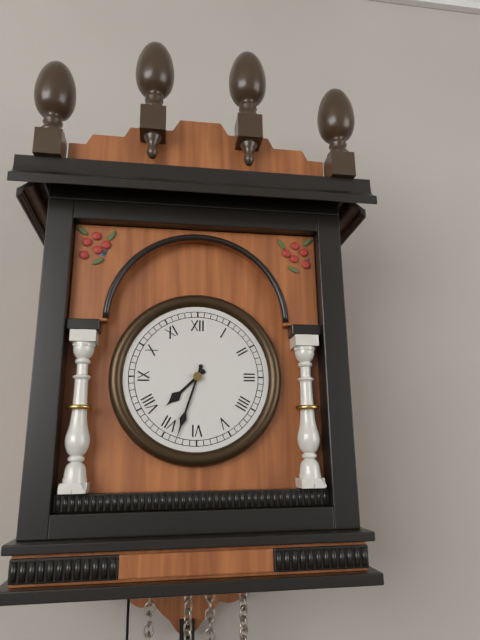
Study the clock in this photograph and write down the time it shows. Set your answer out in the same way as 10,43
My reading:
7,33
